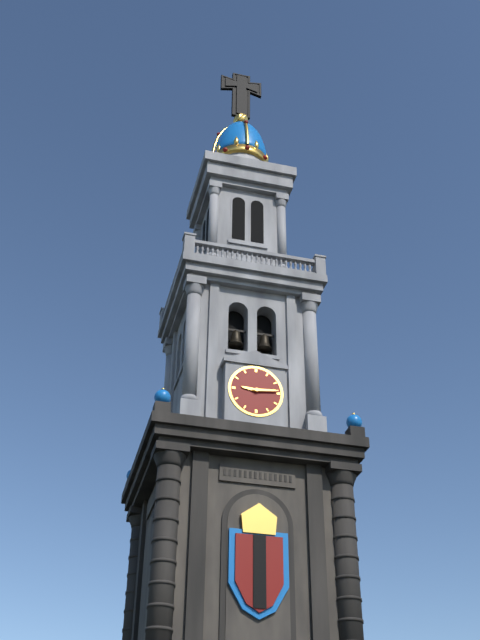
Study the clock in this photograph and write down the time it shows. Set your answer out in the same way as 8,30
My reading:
9,14
